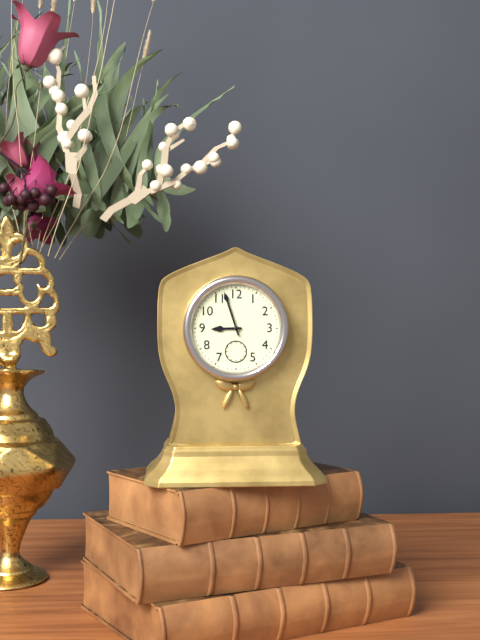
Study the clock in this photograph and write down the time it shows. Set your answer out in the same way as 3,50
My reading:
8,57
